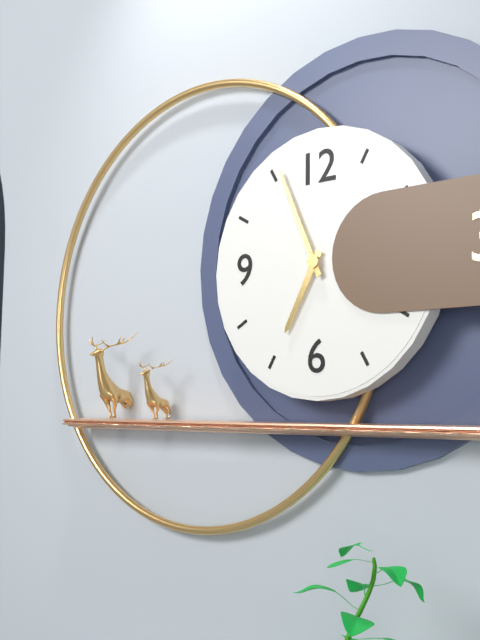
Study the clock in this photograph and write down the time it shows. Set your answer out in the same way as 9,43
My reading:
6,56
